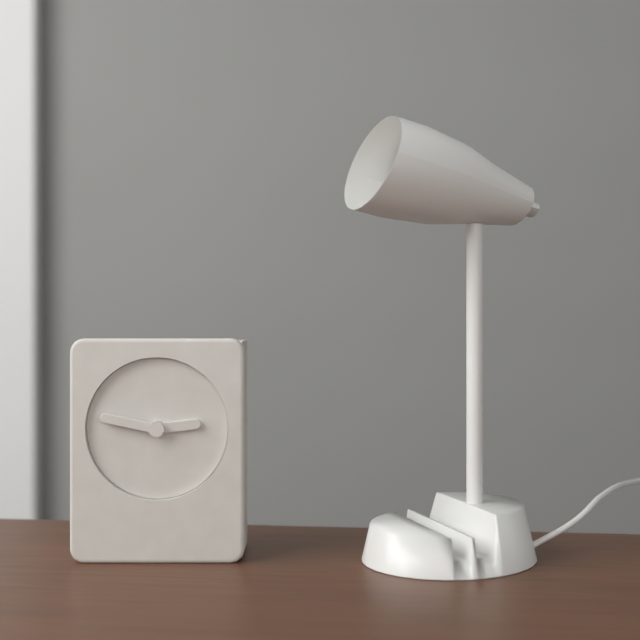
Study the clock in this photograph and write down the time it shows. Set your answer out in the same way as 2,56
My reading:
2,47
